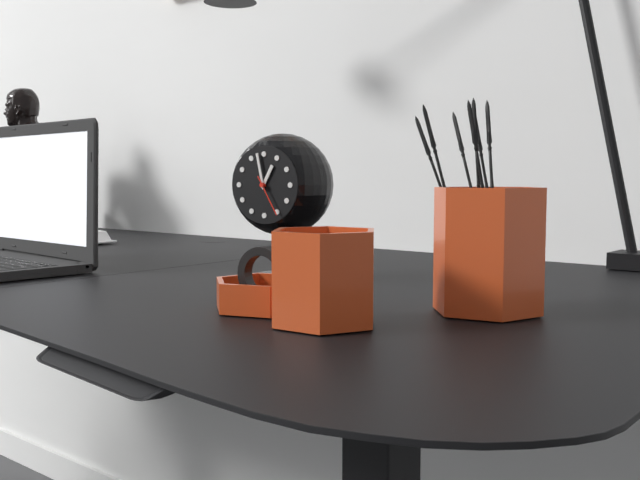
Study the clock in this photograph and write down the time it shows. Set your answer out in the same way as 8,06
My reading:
12,58
